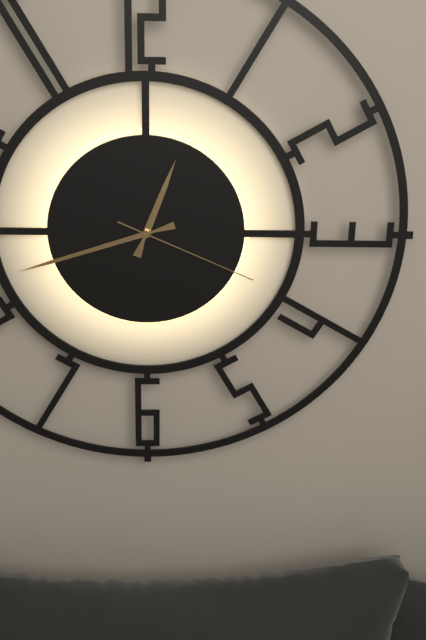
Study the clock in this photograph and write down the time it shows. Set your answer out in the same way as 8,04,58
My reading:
12,42,19
